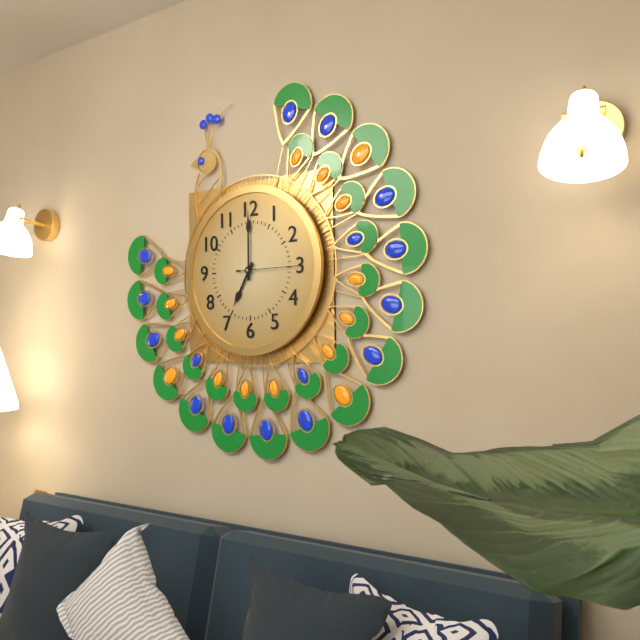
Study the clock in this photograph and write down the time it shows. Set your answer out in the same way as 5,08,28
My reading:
7,00,15
